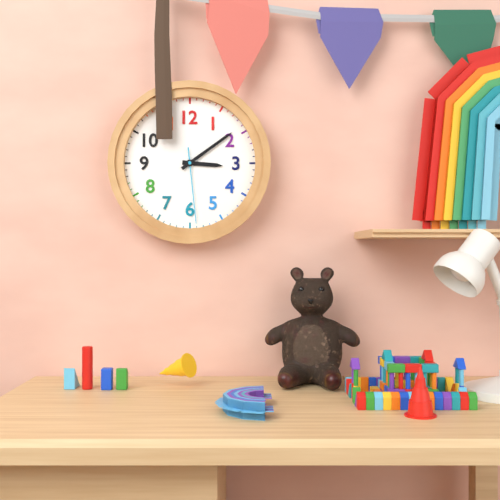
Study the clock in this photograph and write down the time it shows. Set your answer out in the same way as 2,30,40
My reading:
3,09,29
